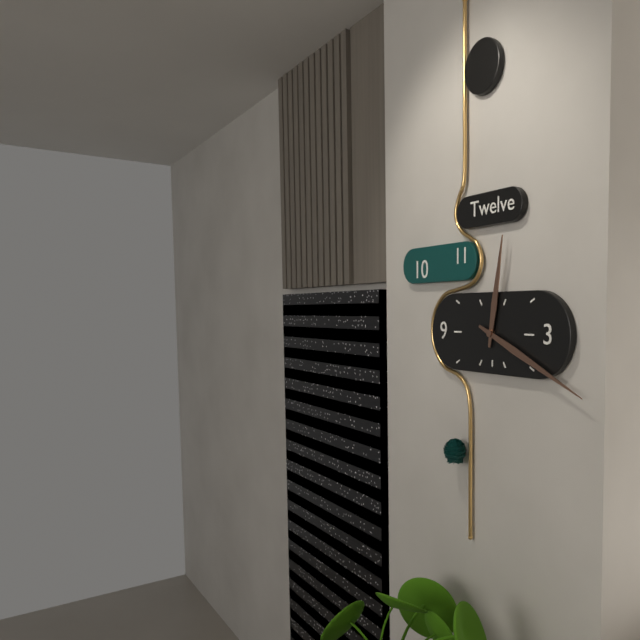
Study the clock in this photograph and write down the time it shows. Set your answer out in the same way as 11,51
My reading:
12,19
